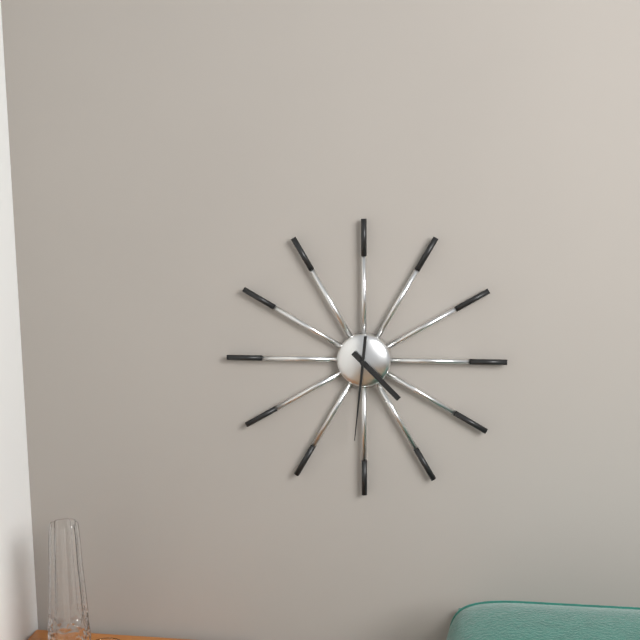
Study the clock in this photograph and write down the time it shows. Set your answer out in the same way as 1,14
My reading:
4,31
